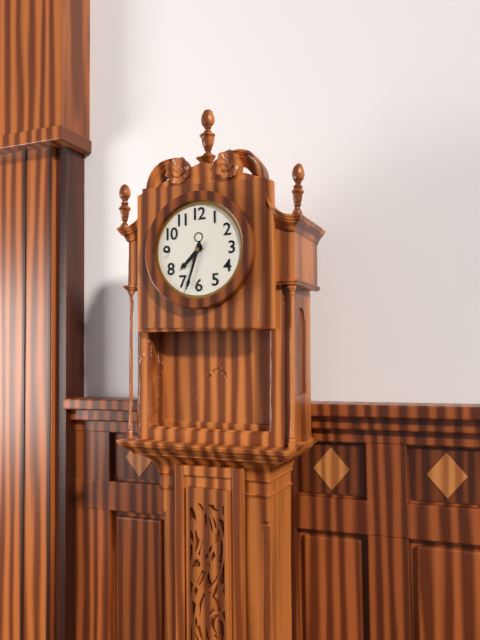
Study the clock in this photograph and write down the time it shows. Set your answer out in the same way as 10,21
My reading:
7,33
